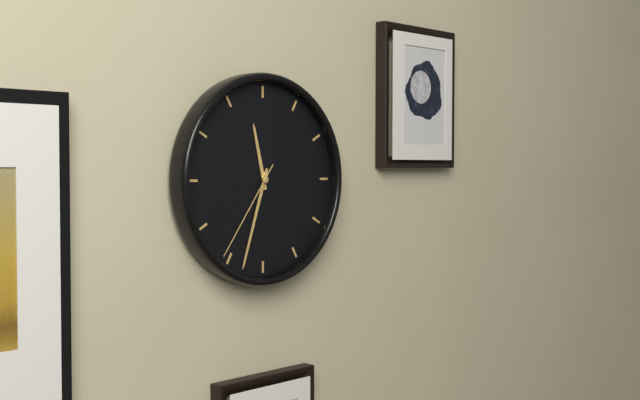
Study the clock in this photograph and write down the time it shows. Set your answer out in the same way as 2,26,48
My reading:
11,33,36
